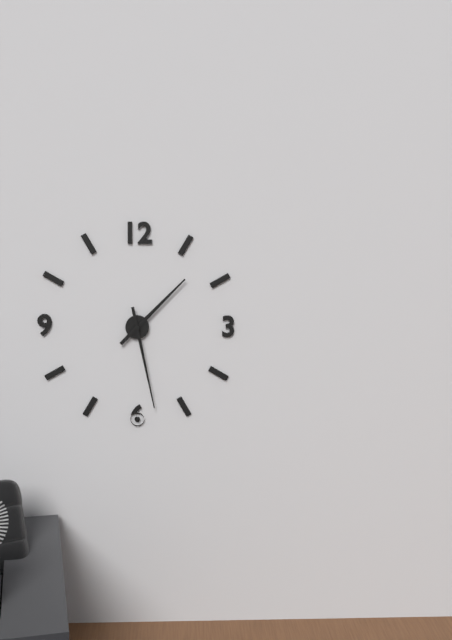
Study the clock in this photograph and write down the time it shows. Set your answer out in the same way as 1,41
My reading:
1,28
